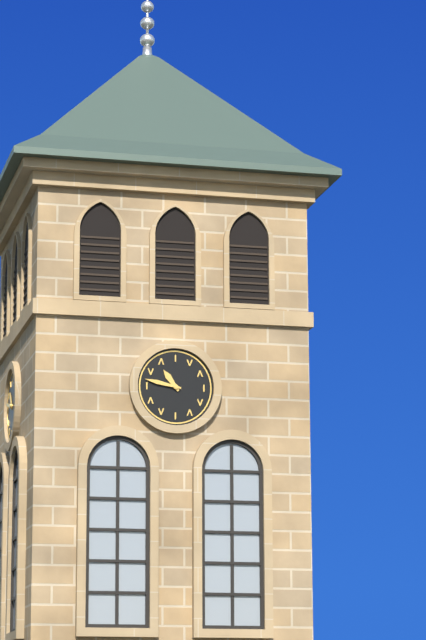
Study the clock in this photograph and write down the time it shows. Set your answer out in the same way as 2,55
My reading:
10,47
